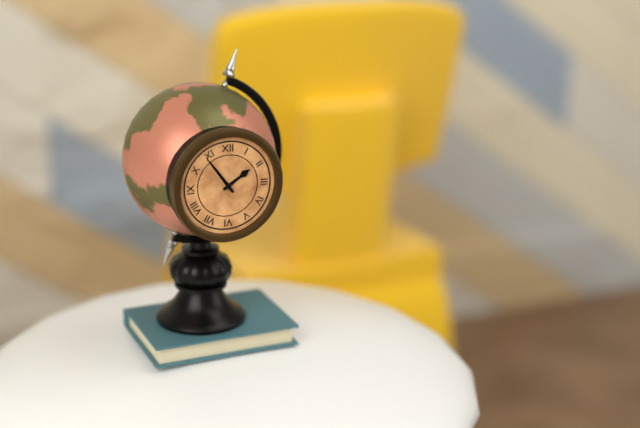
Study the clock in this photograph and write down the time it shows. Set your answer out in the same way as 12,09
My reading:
1,54
